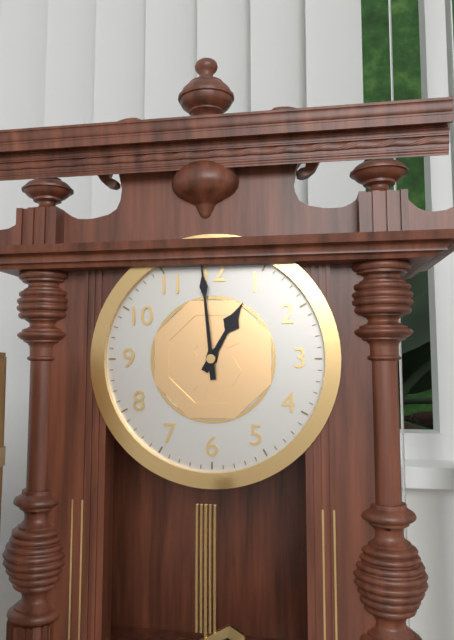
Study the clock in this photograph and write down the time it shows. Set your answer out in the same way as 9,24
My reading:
12,59
